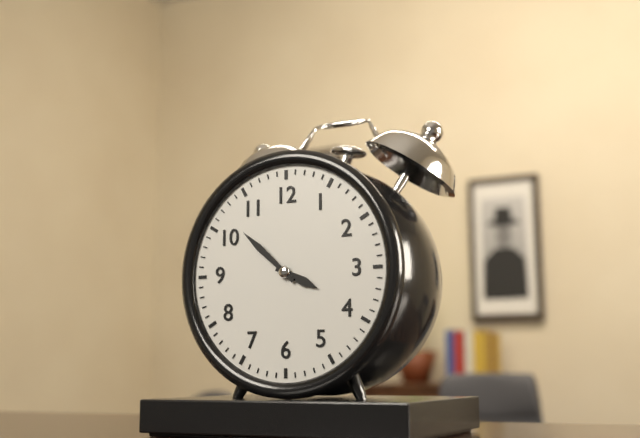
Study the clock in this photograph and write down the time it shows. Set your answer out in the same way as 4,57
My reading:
3,52
